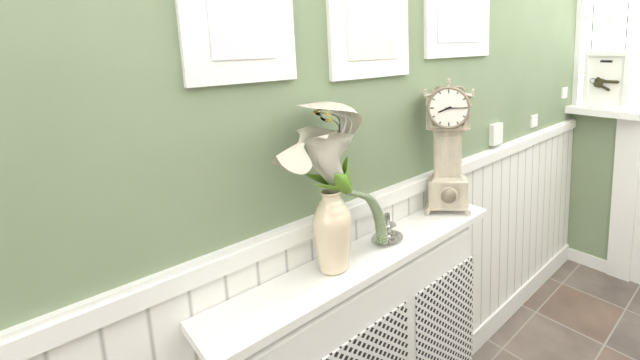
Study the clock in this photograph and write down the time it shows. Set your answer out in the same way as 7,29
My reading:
8,15
